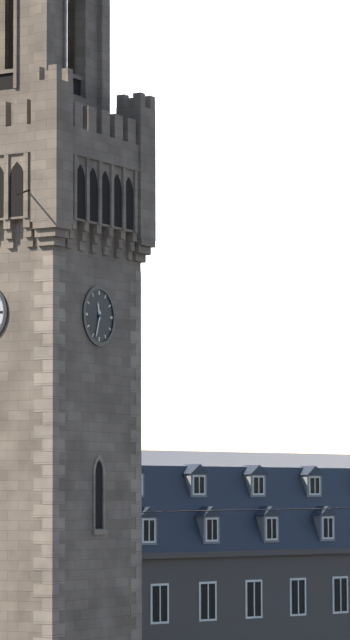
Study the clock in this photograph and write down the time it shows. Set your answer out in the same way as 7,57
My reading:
11,33
